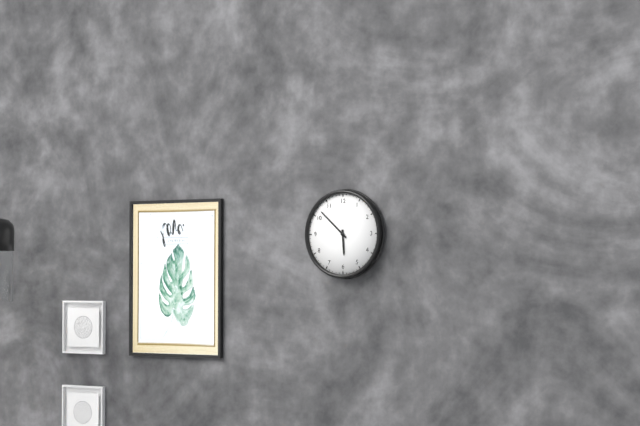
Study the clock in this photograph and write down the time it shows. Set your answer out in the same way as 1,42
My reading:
5,52
